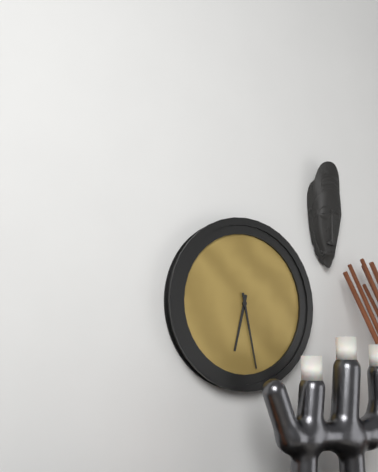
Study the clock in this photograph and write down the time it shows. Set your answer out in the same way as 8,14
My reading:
6,28
